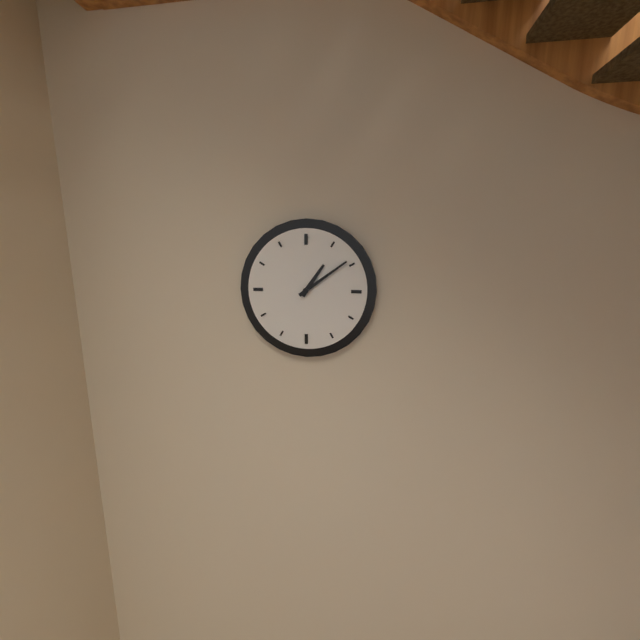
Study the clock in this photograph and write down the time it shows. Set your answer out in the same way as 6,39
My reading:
1,09
